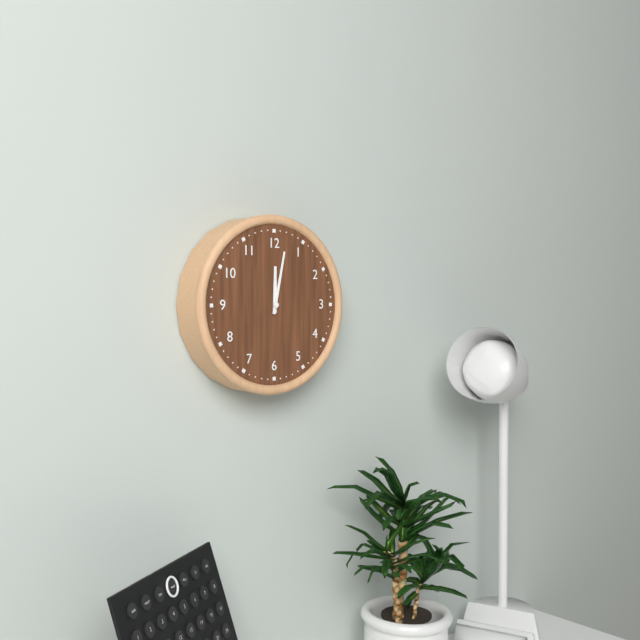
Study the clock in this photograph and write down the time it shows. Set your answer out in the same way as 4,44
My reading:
12,02
